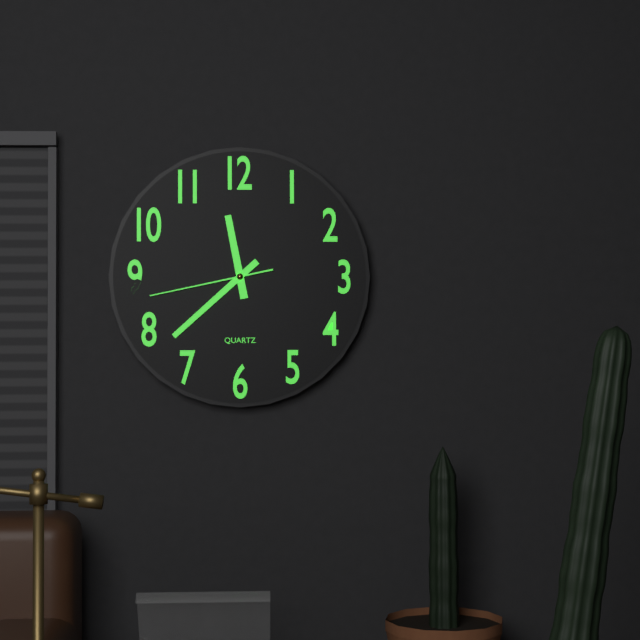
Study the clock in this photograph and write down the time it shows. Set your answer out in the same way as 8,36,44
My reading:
11,38,43
